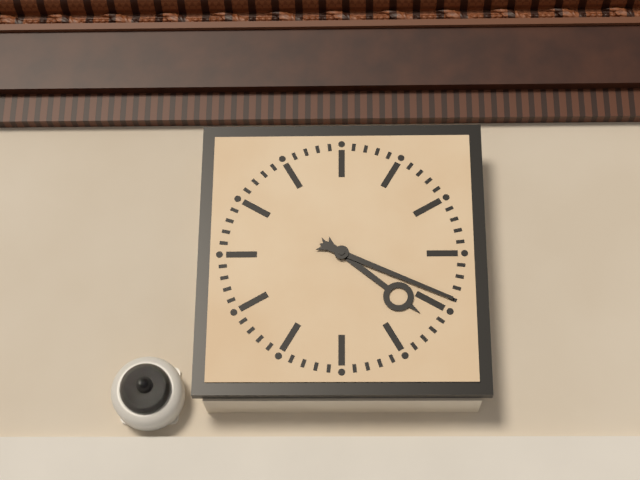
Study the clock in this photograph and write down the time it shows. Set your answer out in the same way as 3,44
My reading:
4,19
